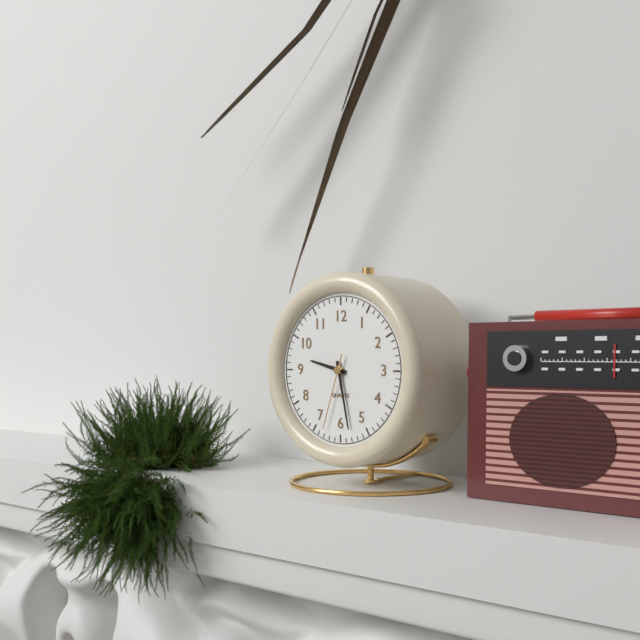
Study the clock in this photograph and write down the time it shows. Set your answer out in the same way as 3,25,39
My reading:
9,28,33
